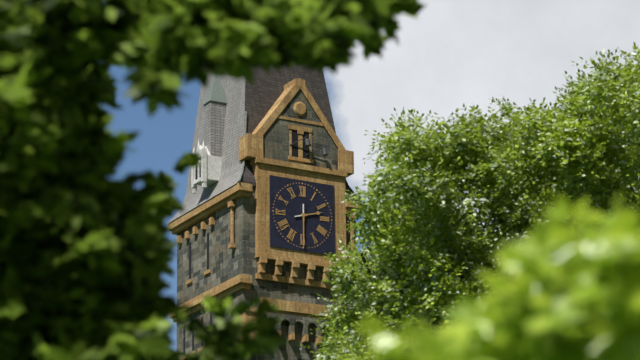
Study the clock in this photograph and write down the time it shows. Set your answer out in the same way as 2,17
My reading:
2,30
